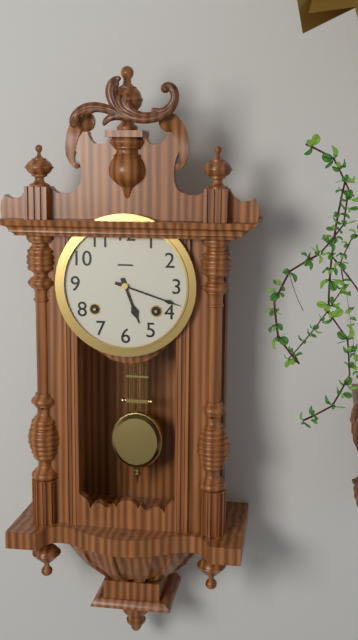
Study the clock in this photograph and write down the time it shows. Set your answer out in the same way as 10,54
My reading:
5,18
